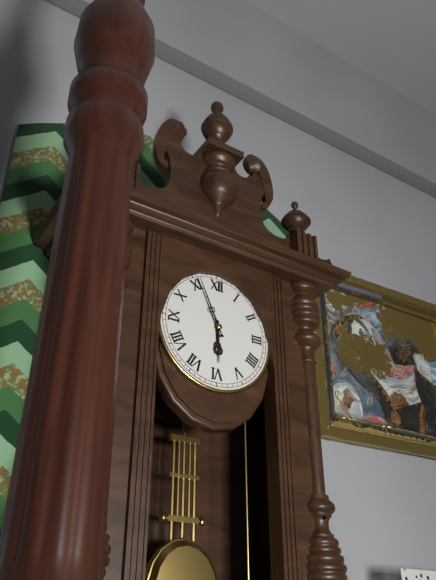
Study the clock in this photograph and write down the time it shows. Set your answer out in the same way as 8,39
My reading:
5,56
